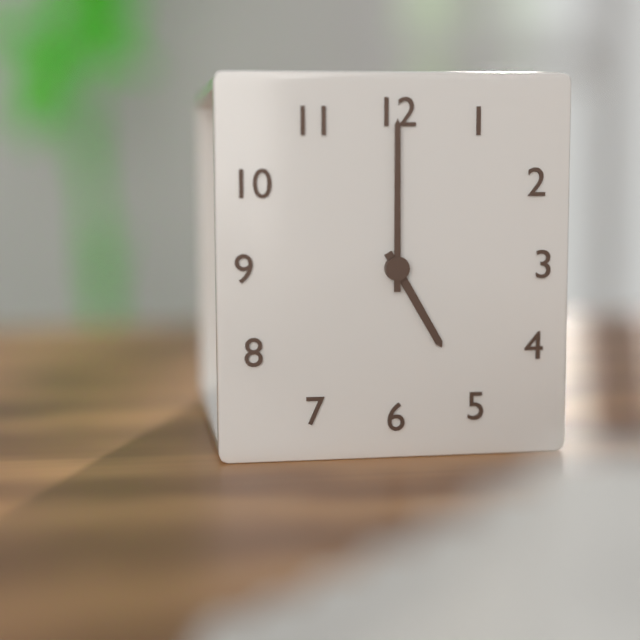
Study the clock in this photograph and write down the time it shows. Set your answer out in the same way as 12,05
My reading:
5,00
